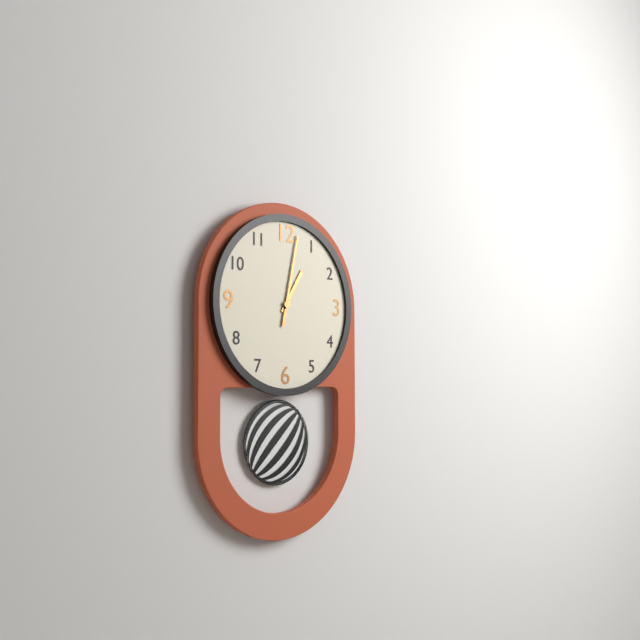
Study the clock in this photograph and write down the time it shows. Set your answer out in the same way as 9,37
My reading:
1,02
